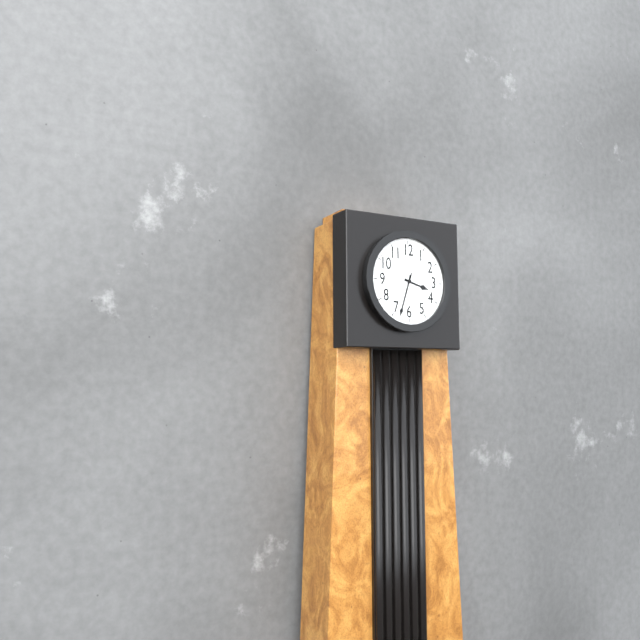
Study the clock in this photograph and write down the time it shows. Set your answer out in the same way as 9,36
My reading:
3,33
